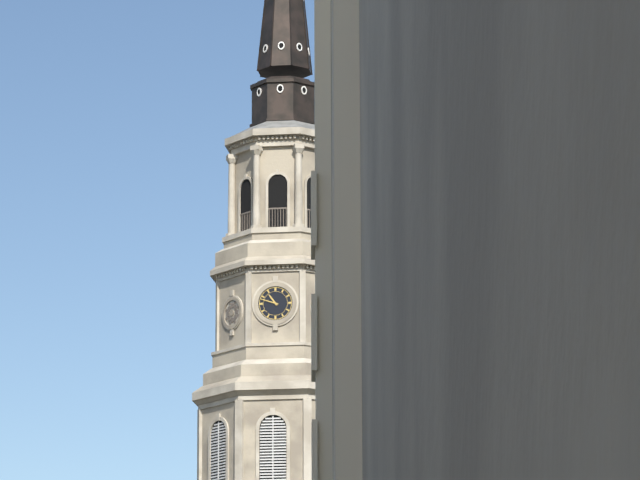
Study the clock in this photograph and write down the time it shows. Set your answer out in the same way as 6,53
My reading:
10,48
